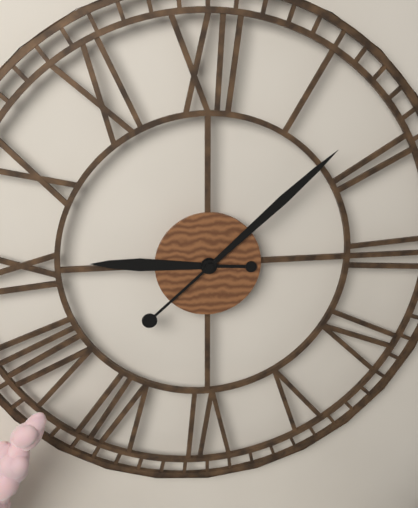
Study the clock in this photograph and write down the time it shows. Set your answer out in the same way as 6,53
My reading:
9,08
